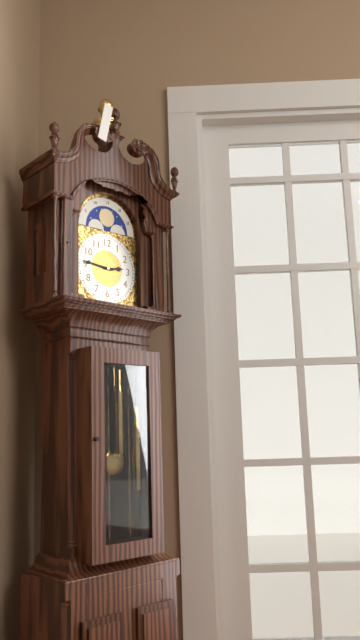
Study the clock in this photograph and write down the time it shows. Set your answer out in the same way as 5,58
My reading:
2,46
